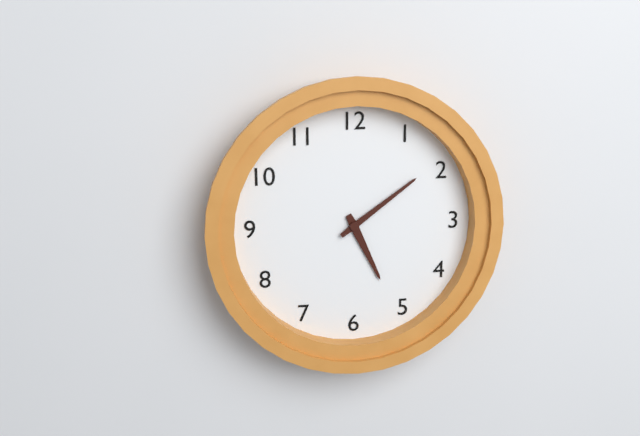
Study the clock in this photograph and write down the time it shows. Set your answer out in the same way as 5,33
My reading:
5,09
